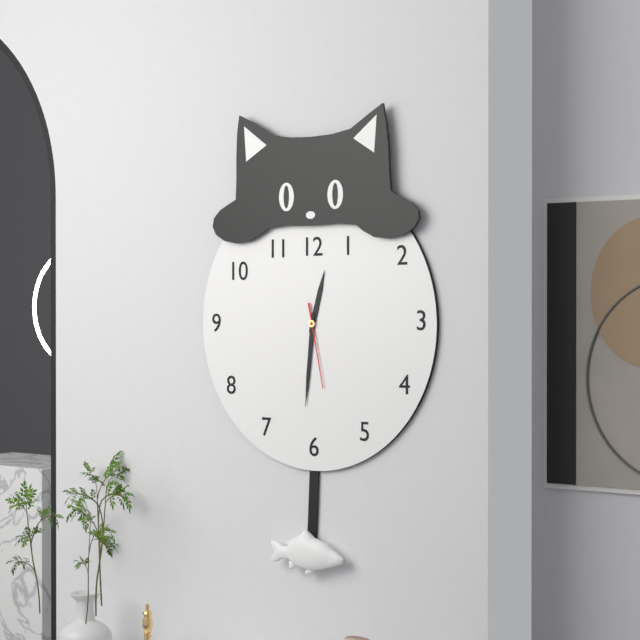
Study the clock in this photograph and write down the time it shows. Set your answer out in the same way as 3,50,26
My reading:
12,31,28
